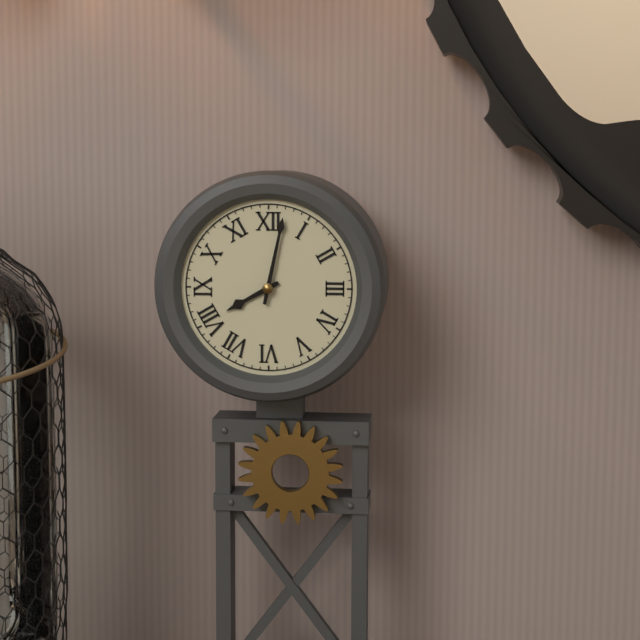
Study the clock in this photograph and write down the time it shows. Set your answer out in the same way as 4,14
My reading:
8,02
